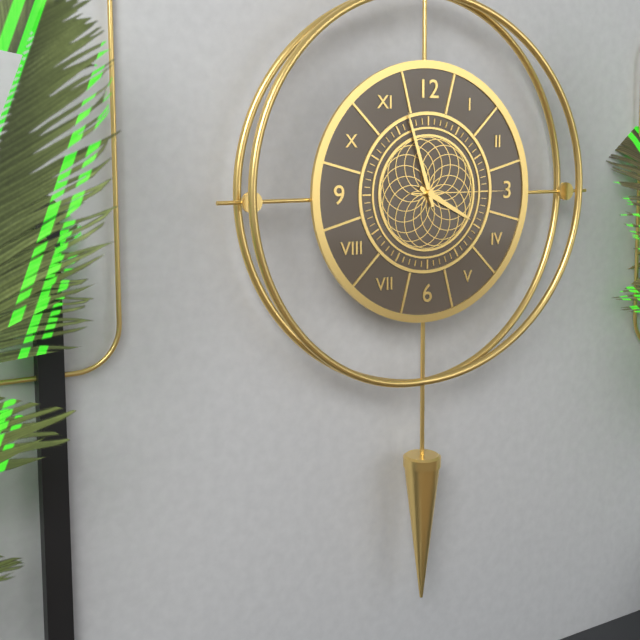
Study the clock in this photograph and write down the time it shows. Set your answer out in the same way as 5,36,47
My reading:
3,57,15
